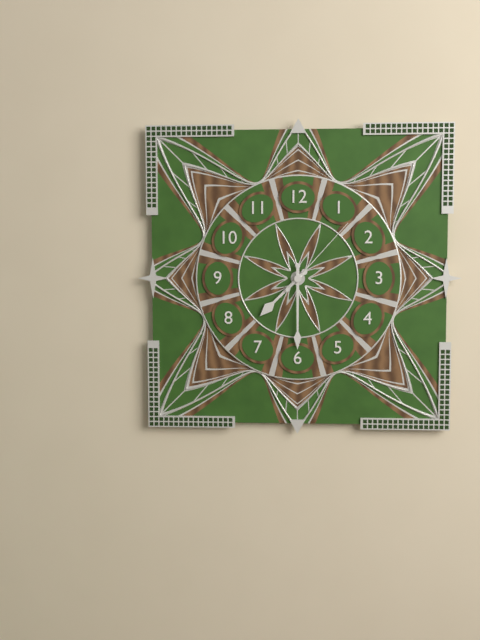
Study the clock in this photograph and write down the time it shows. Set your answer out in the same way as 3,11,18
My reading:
7,30,07
